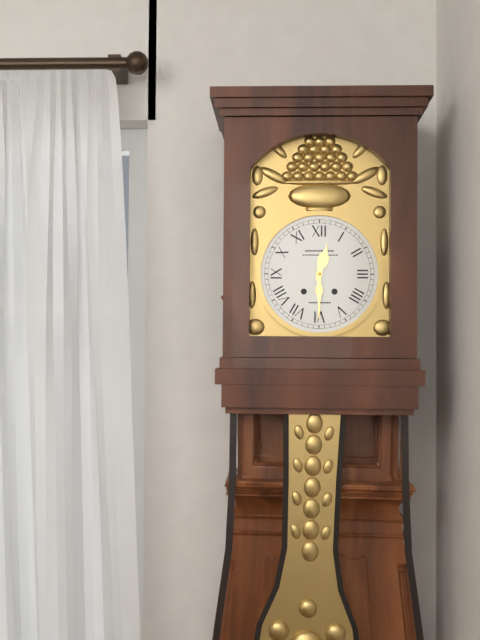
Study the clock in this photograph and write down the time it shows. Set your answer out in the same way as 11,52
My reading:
12,30
